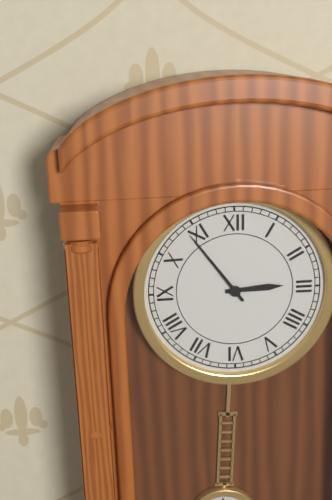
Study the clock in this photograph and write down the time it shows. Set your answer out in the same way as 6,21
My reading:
2,54
